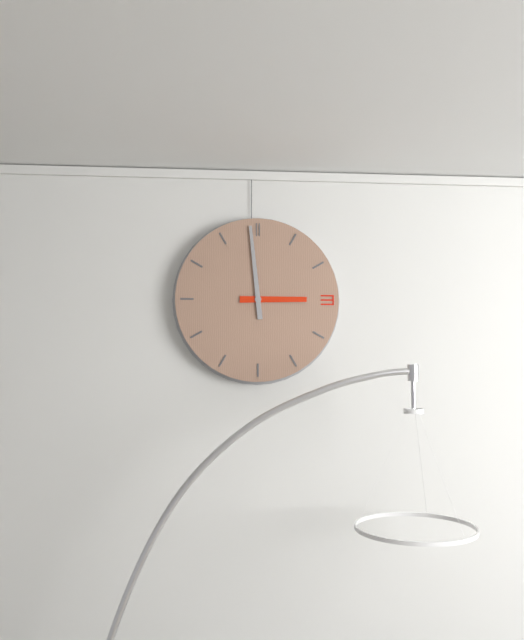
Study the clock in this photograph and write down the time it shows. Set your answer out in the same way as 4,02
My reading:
2,59
